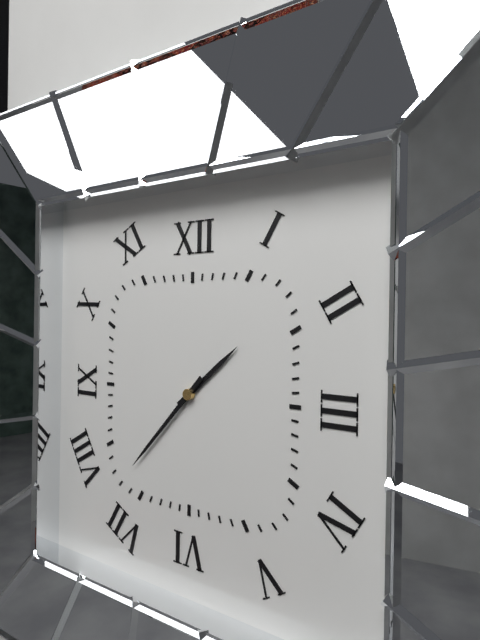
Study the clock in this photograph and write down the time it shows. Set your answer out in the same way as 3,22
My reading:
1,37
